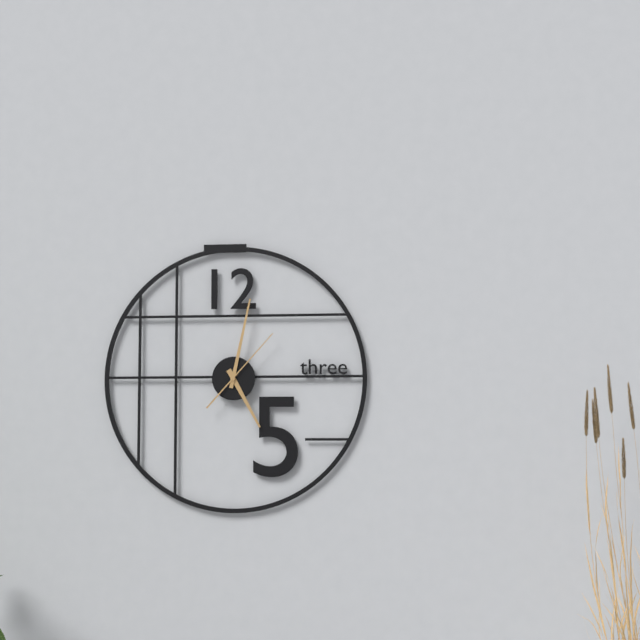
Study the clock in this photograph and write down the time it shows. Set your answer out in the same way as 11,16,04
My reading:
5,02,07
